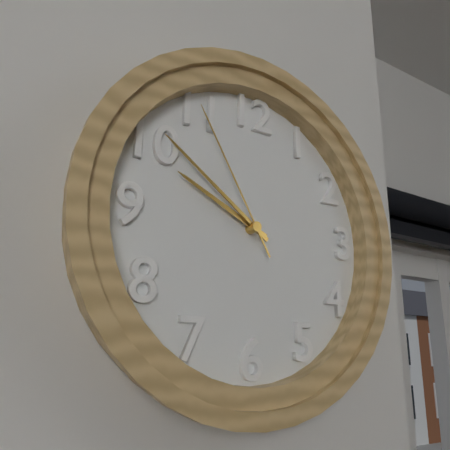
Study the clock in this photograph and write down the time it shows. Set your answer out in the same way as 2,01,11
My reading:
9,51,55
